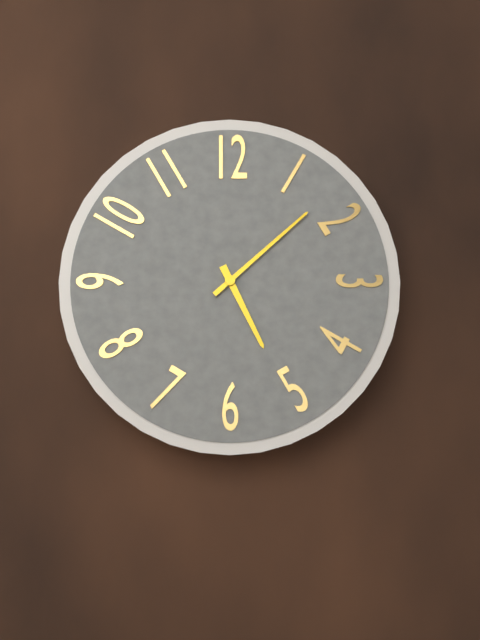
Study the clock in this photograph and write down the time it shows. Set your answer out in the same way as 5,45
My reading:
5,08
